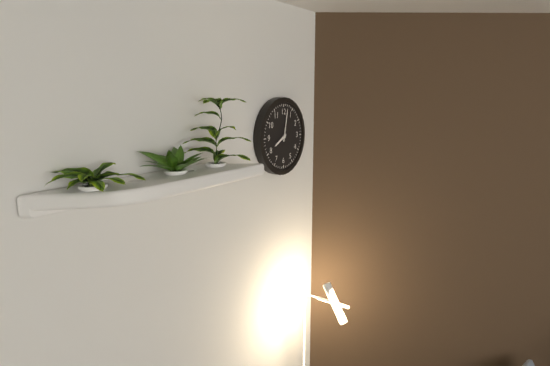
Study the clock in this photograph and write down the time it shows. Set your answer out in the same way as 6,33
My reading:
8,02
